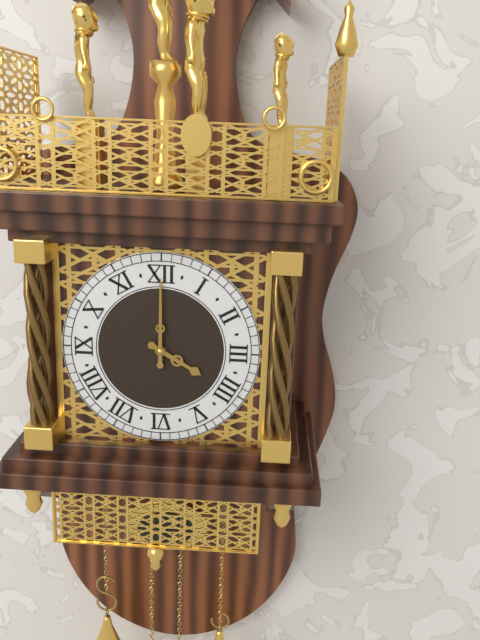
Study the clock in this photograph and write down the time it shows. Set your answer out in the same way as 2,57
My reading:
4,00
